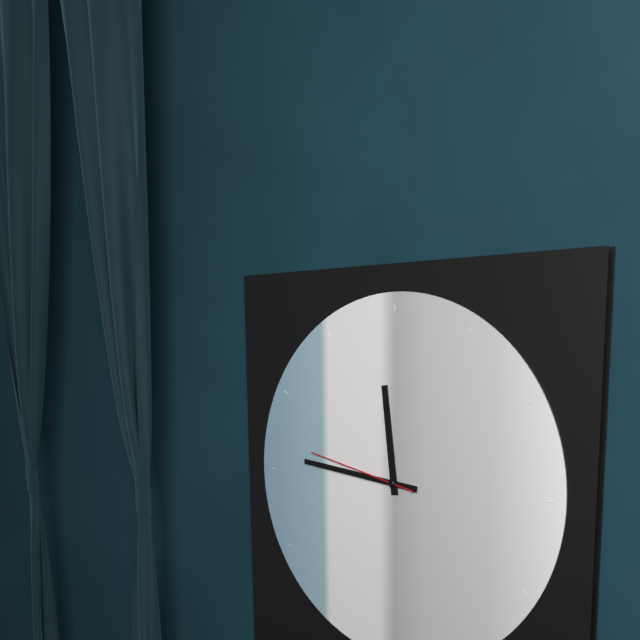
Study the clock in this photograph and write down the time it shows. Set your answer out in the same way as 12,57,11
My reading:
11,46,47
